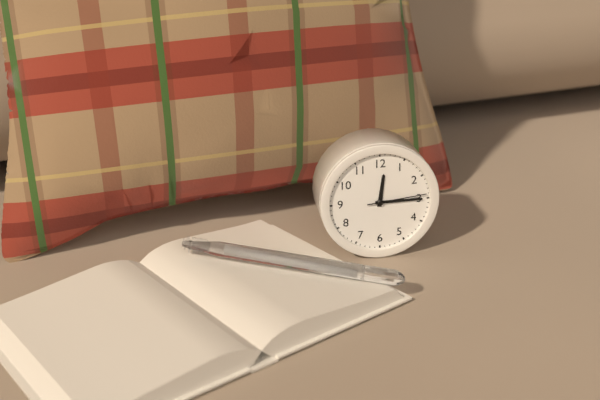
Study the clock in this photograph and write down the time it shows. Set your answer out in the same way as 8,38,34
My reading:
12,15,14
